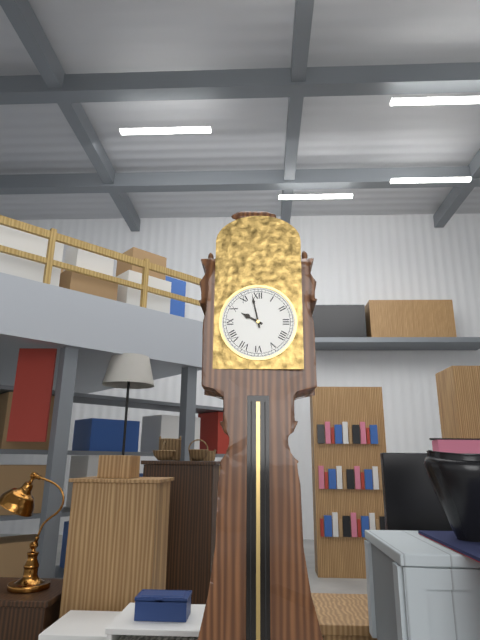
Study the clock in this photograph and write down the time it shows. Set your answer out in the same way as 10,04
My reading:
9,58
